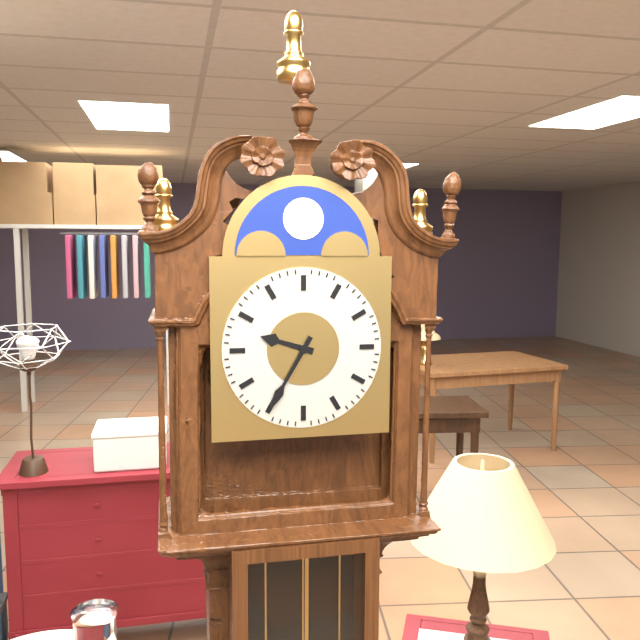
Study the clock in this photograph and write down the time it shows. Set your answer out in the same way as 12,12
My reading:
9,35
